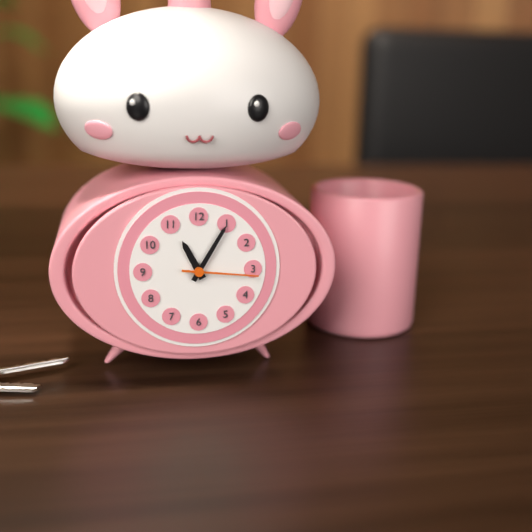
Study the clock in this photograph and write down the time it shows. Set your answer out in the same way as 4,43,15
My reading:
11,05,16
